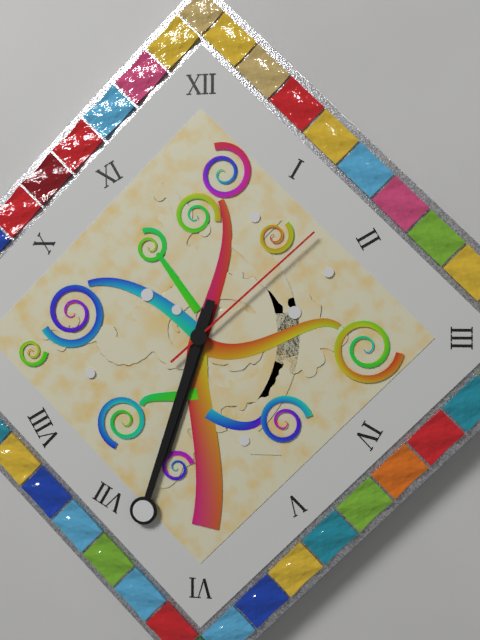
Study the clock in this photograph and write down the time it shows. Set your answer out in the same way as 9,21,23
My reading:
6,33,08
